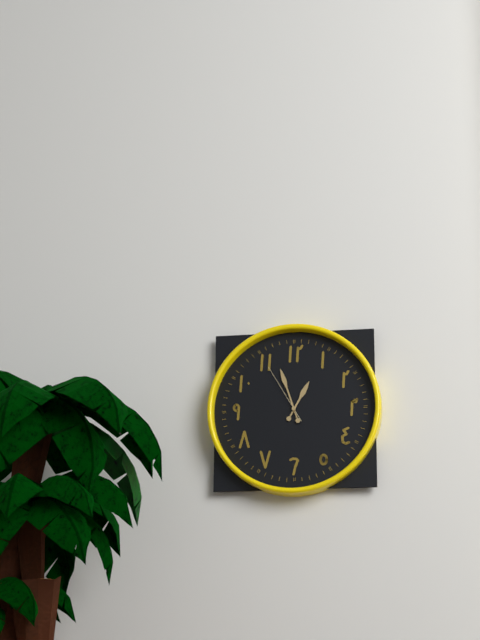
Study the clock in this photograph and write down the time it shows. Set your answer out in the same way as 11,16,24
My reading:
12,57,55
